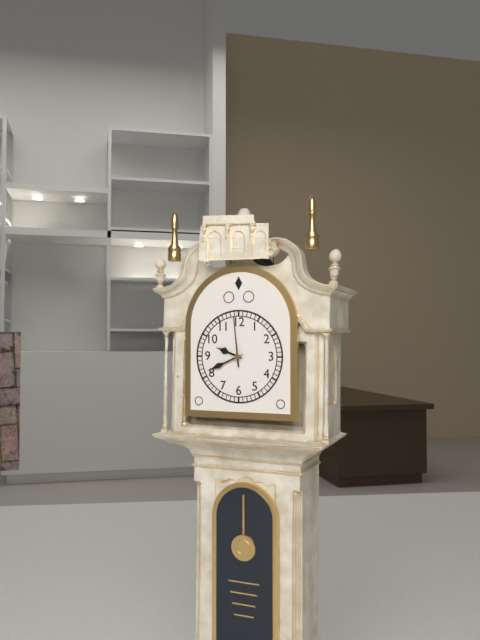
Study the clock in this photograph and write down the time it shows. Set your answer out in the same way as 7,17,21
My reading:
9,41,59
